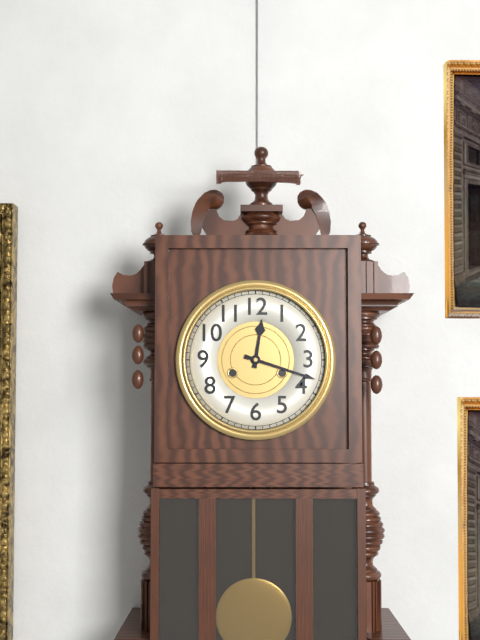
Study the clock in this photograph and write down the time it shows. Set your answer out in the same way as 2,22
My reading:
12,18
